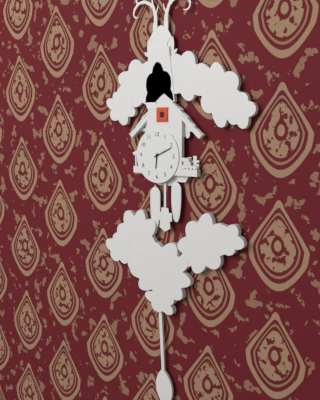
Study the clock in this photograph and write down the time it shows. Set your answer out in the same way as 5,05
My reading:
6,11
